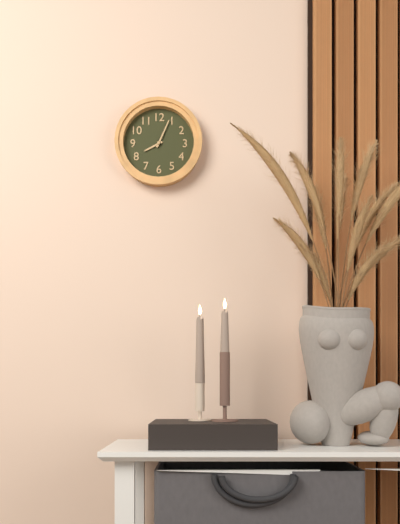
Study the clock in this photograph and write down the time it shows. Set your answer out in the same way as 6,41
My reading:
8,04
